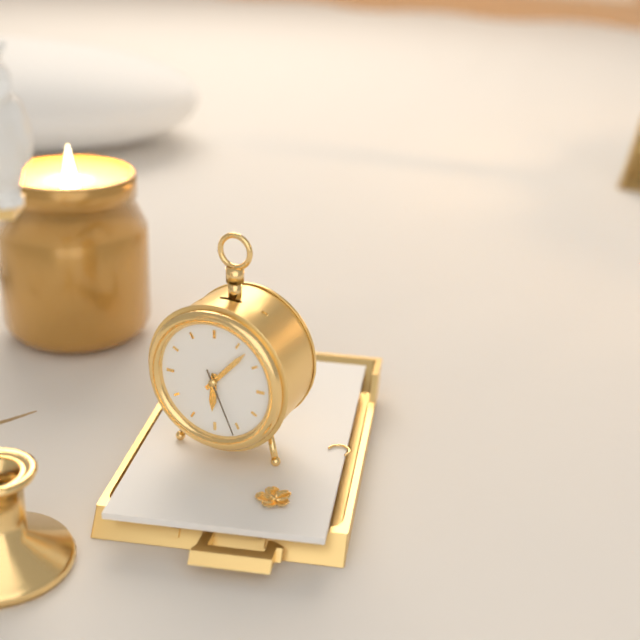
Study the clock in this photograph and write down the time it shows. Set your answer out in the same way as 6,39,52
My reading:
6,07,26
